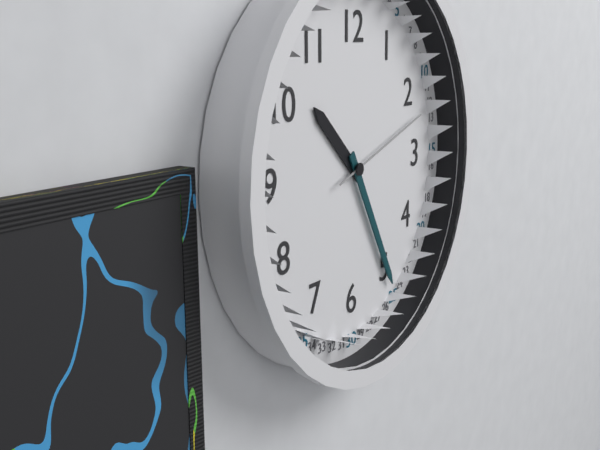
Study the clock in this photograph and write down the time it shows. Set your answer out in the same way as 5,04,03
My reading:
10,25,12
